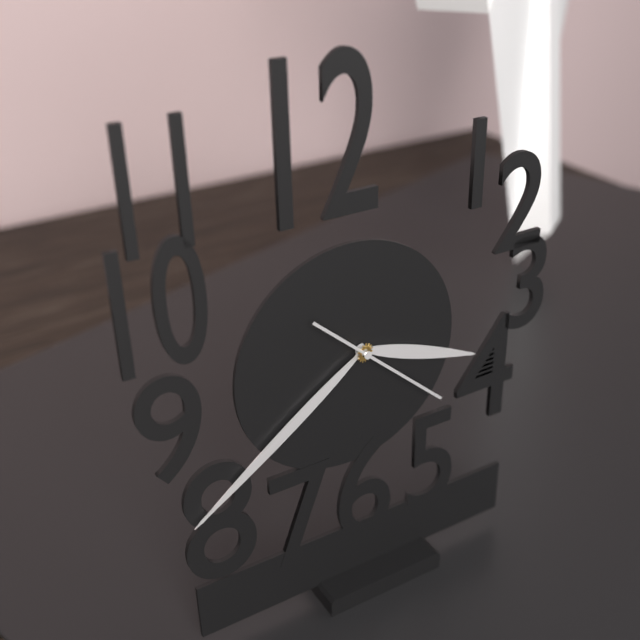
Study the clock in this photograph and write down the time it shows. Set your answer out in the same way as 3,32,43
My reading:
3,39,22
